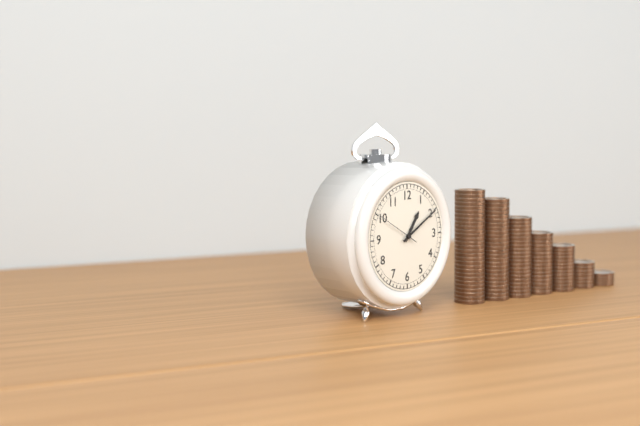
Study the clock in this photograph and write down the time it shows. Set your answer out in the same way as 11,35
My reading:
1,10
